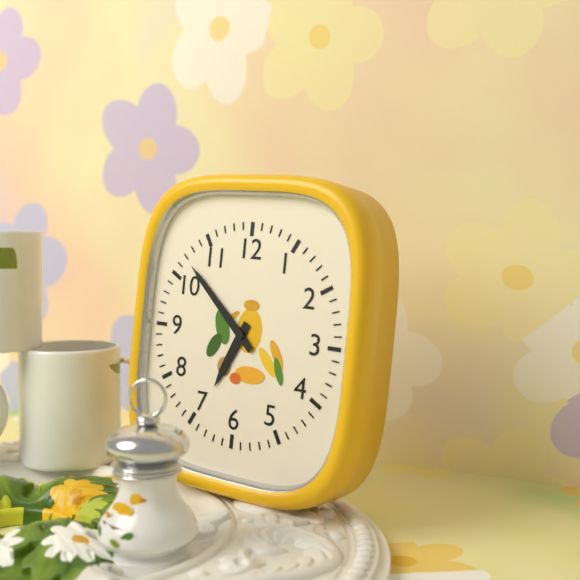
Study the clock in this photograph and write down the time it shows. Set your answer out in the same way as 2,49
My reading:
6,52
